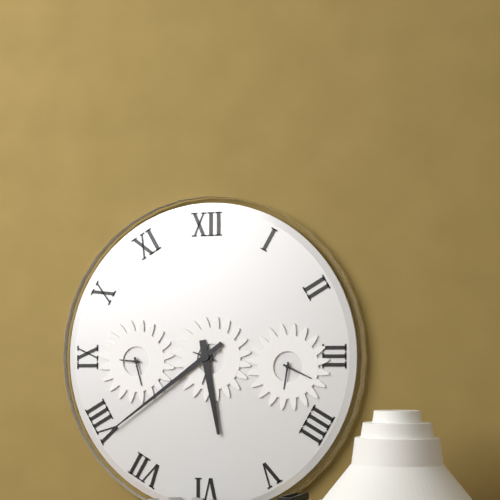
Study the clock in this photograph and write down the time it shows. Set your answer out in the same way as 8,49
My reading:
5,39
